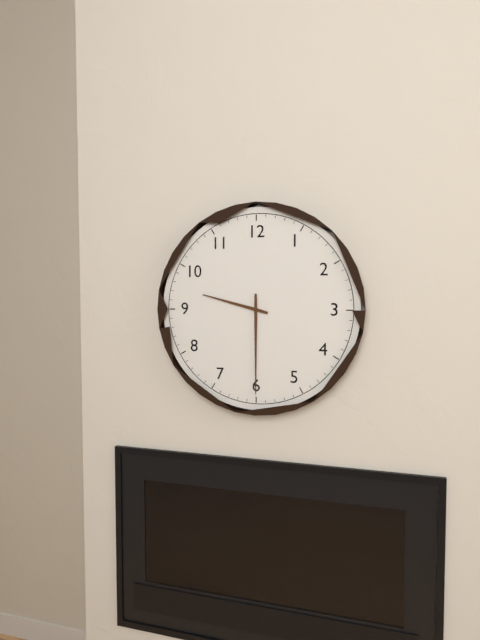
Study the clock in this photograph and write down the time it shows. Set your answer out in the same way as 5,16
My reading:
9,30
